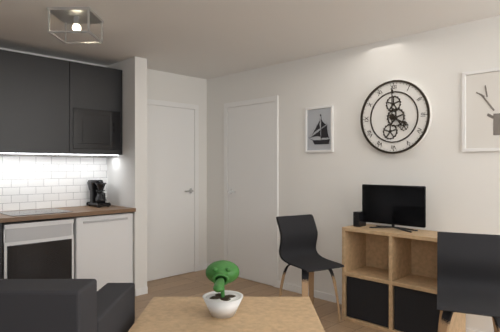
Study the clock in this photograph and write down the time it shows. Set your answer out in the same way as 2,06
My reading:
4,00
